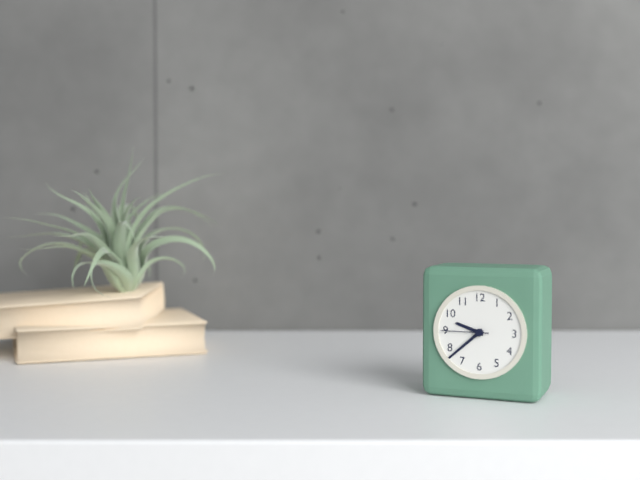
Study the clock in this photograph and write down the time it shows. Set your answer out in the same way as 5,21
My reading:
9,38
